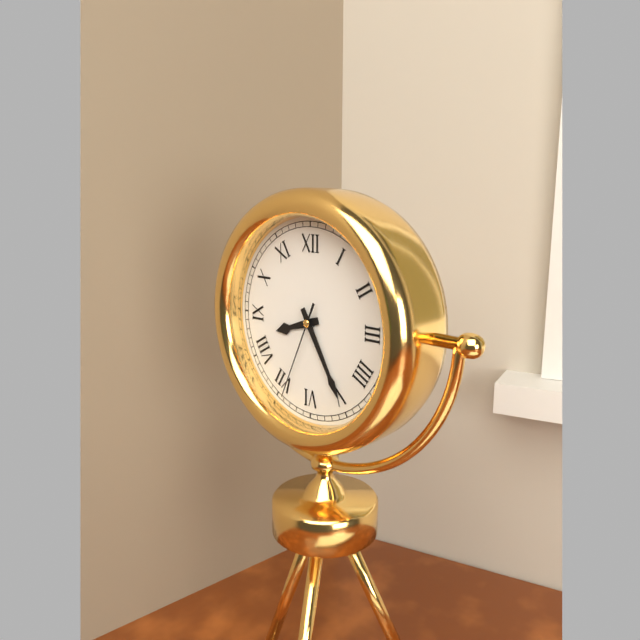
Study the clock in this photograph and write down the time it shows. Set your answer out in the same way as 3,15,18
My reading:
8,25,34
